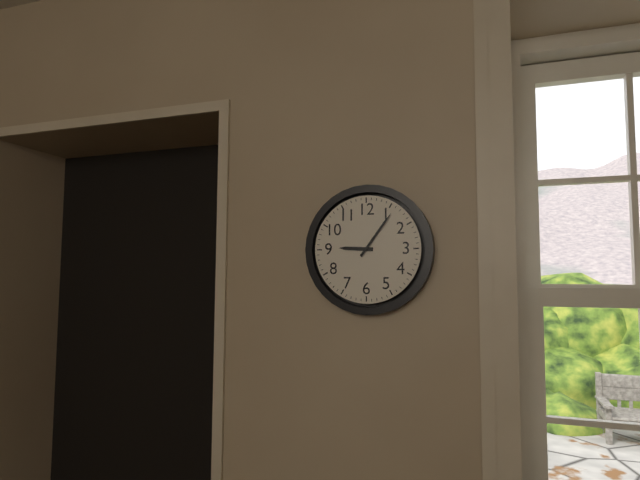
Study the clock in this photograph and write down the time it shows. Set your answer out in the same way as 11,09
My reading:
9,06
